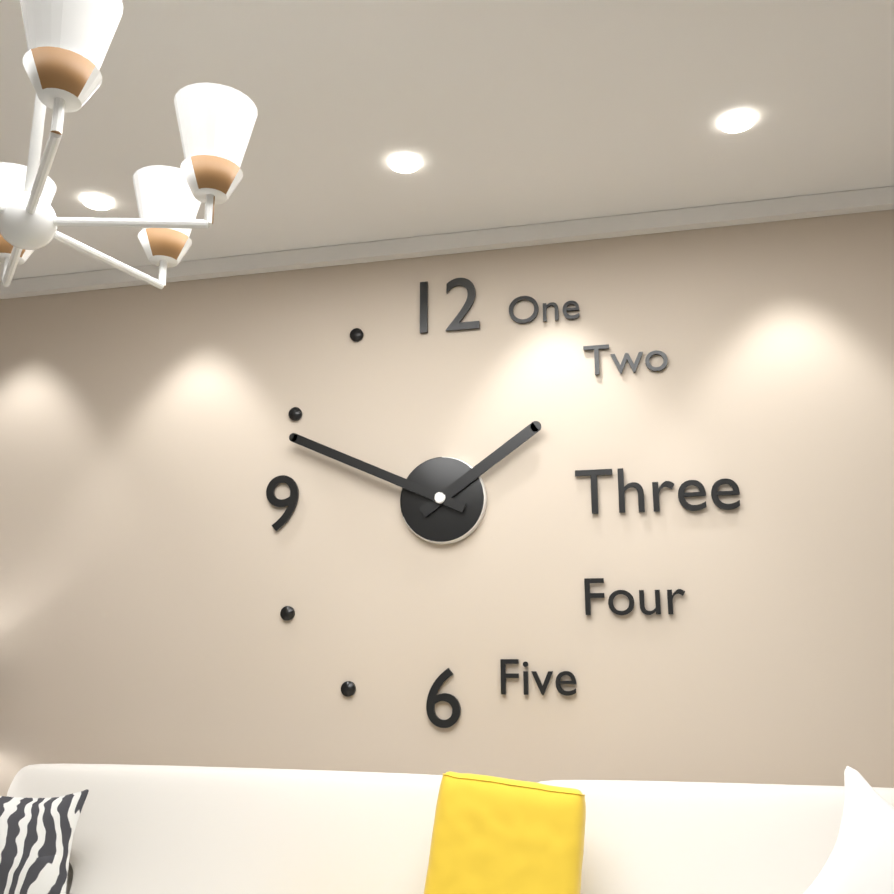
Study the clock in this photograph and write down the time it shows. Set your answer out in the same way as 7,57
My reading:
1,49
